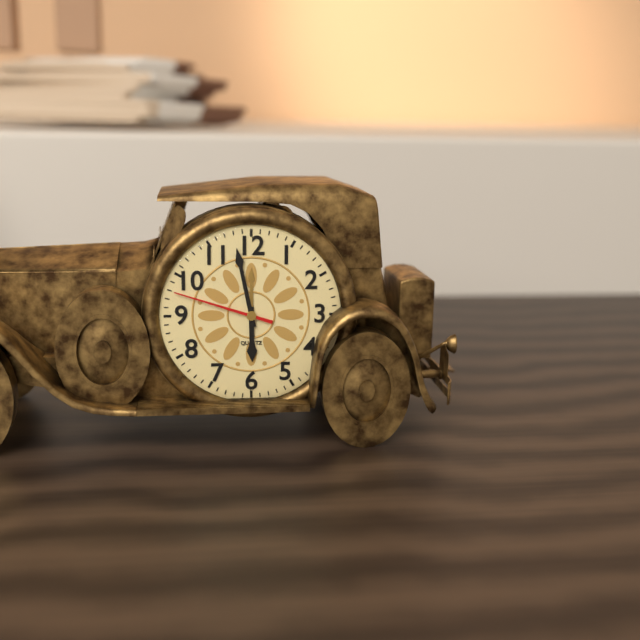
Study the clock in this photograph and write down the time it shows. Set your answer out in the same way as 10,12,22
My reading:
5,58,48
